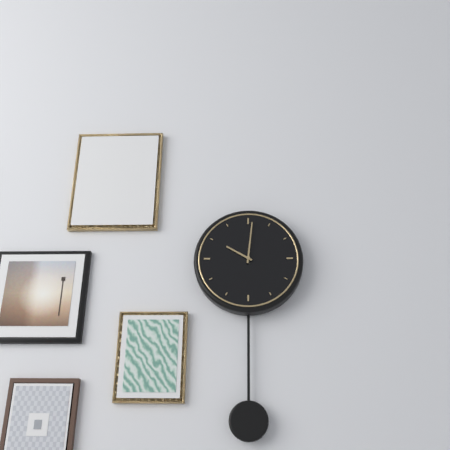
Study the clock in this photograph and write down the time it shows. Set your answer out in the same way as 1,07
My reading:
10,01
